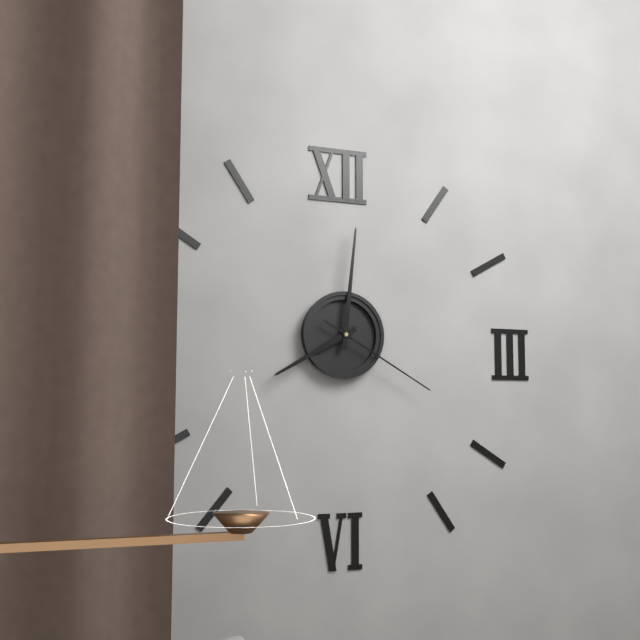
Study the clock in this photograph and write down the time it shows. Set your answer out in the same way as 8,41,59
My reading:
8,01,20
